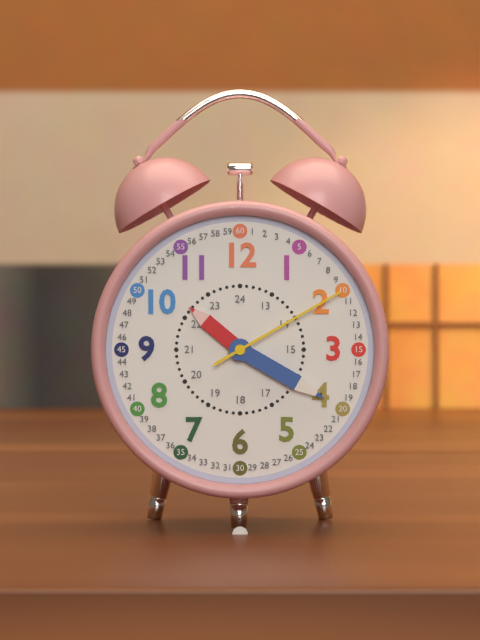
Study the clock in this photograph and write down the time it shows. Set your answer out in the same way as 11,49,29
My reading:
10,20,10
